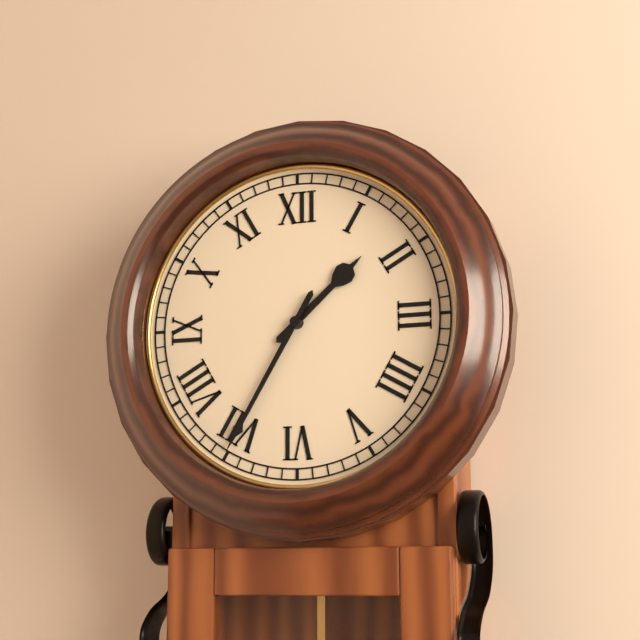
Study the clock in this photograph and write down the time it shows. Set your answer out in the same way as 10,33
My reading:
1,35
